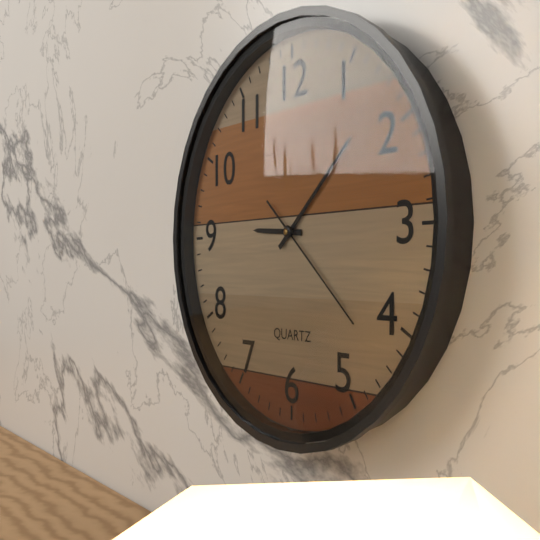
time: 9:08:22
